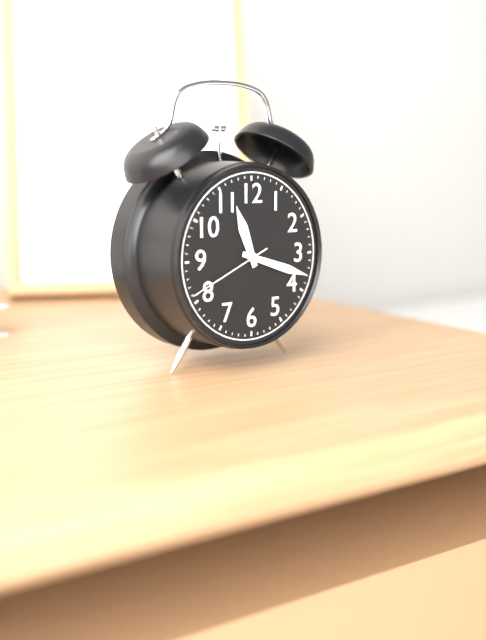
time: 11:18:41
